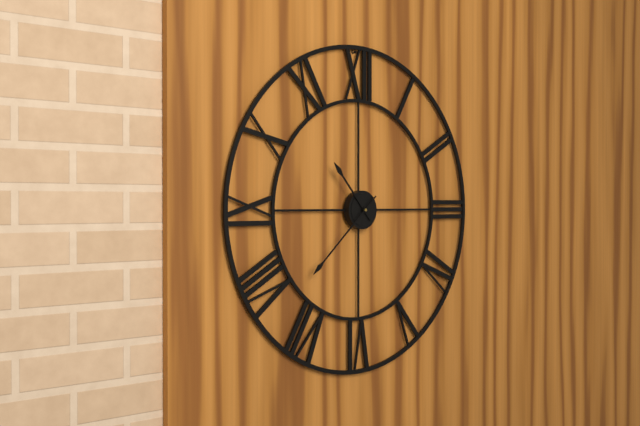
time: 10:38
